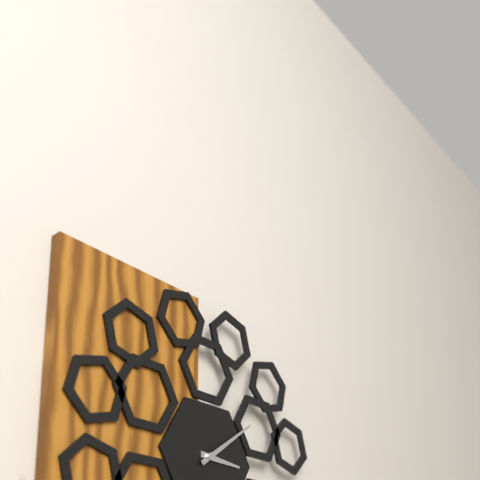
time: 3:09
